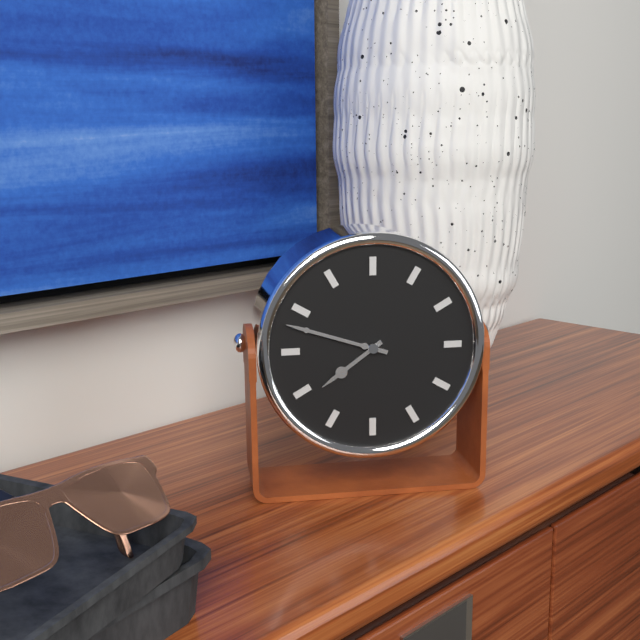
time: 7:48
